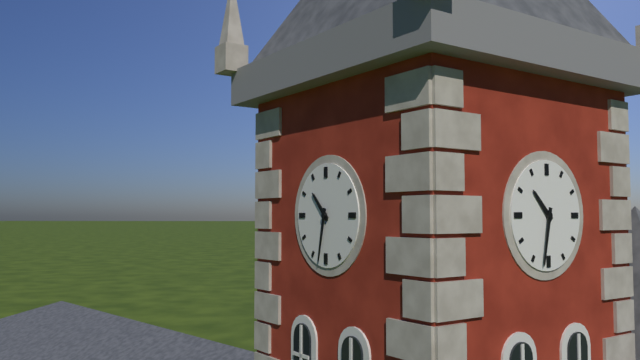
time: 10:32
